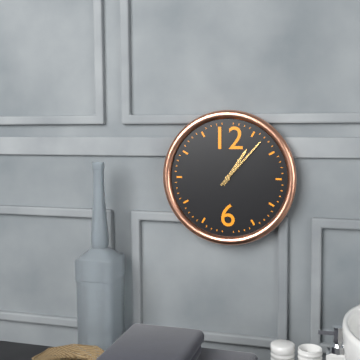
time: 1:07
